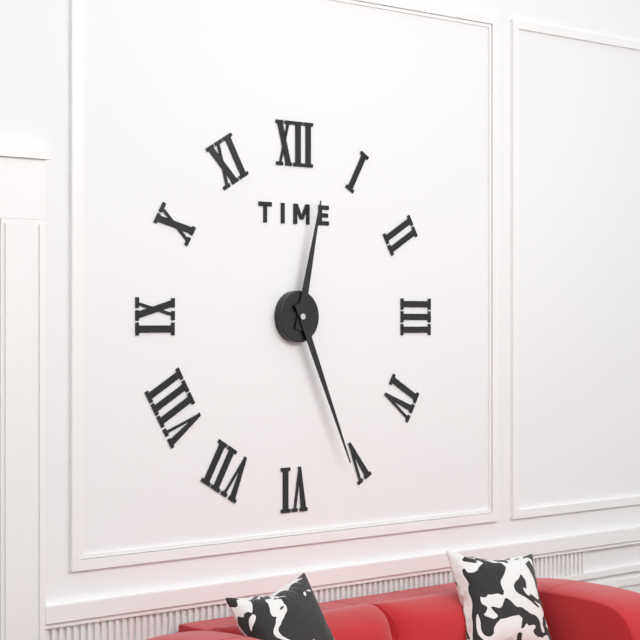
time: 12:26
